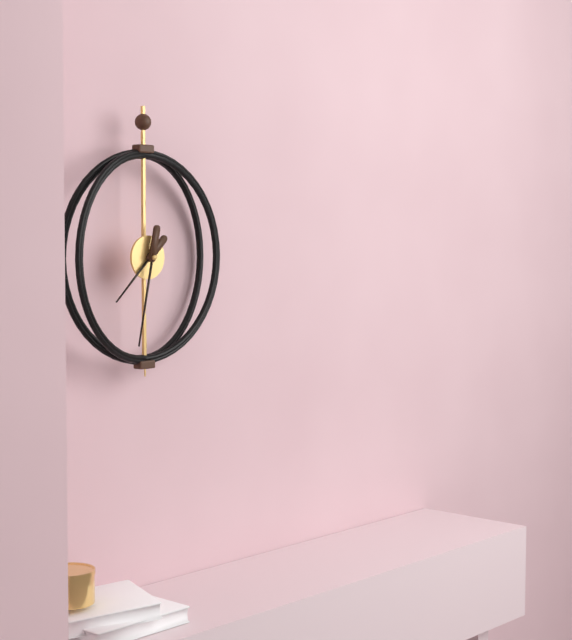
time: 7:32
